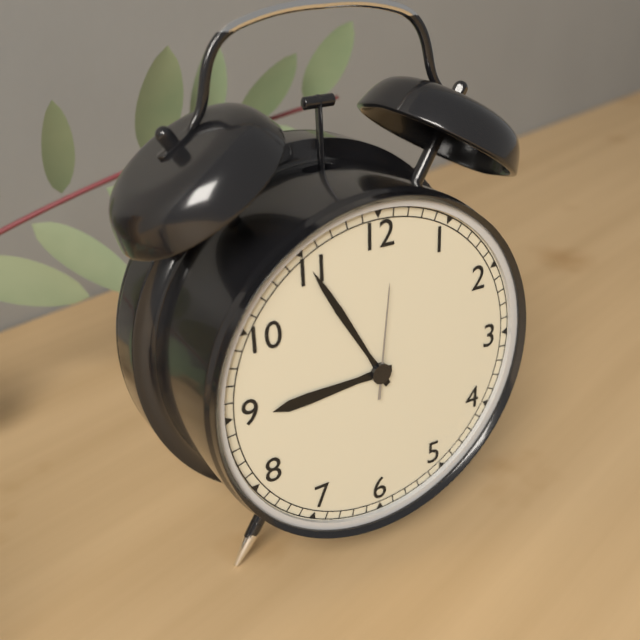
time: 8:55:01
